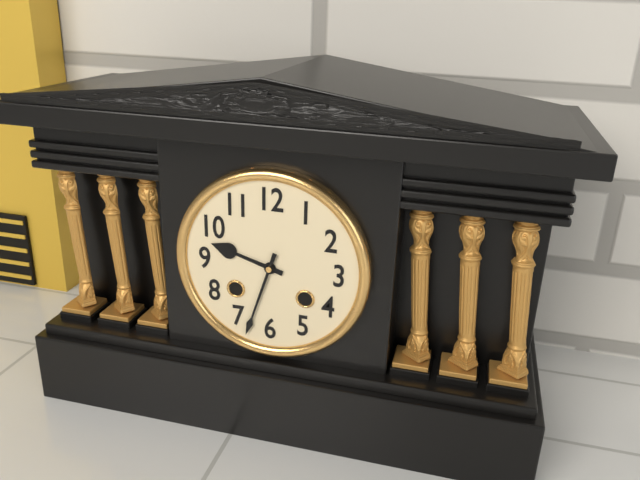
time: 9:33
